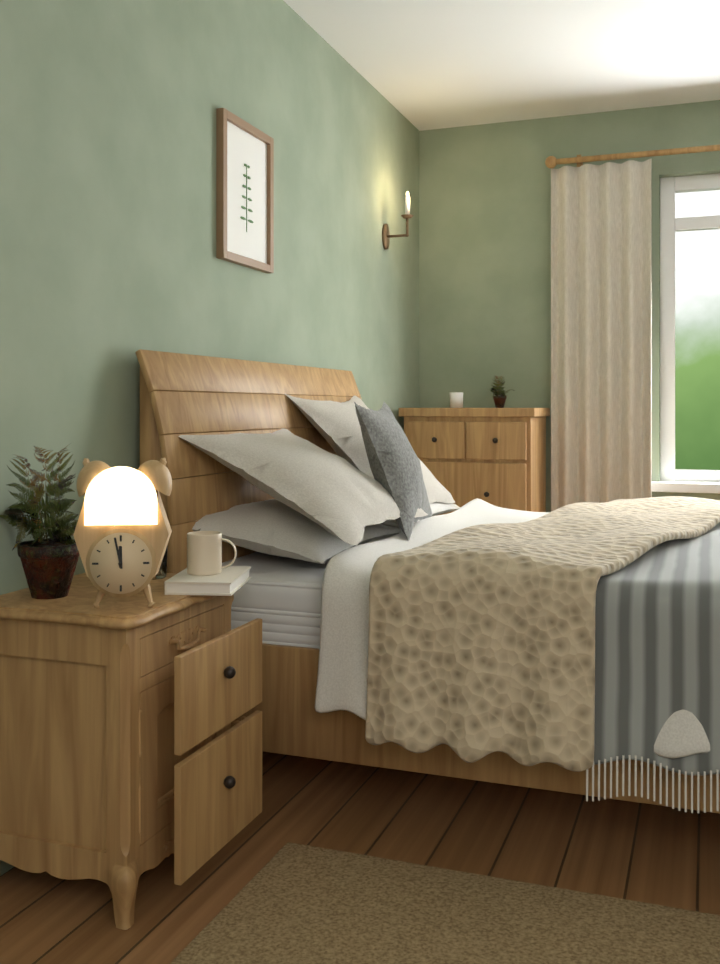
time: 11:58
